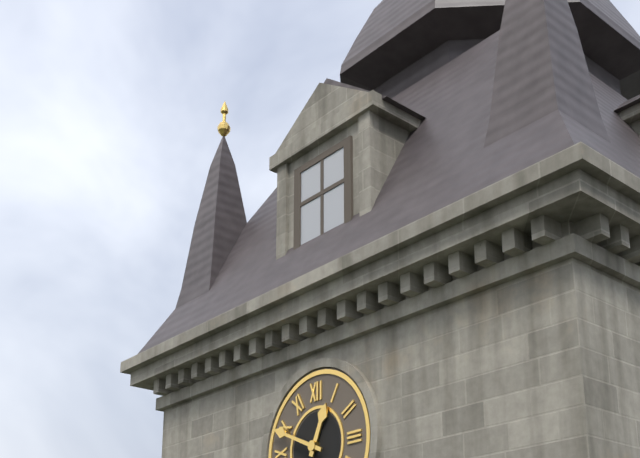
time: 12:49
